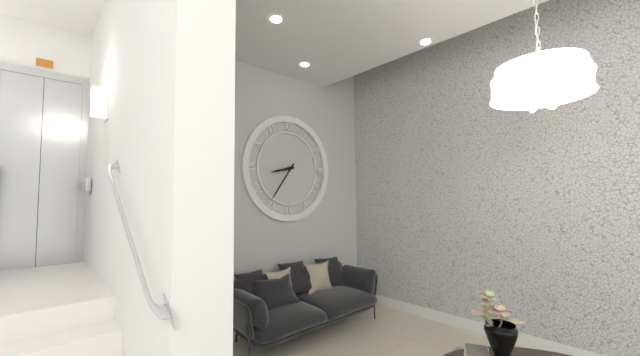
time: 8:36
